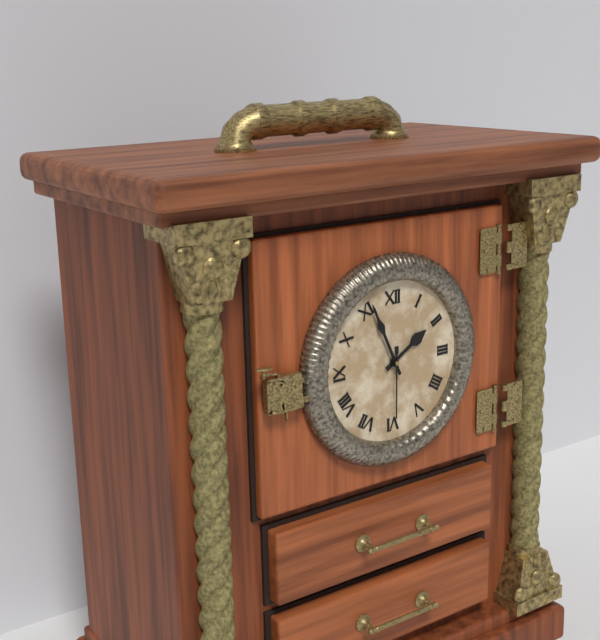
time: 1:56:30
